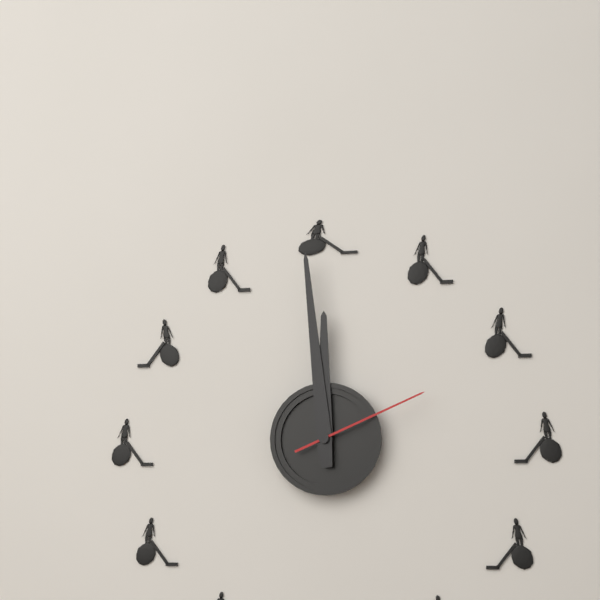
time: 11:59:11
